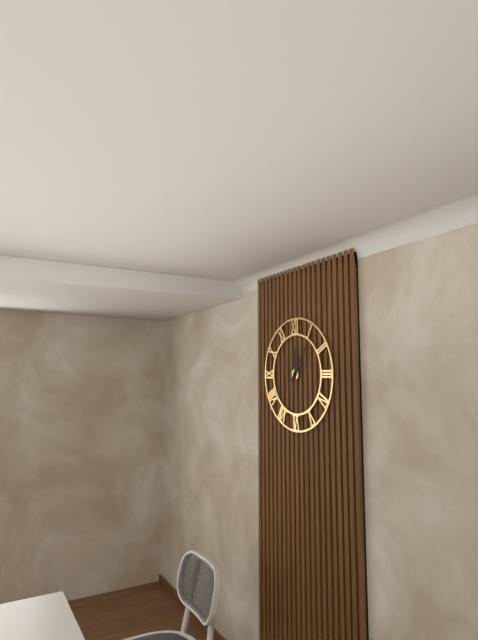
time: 12:06
